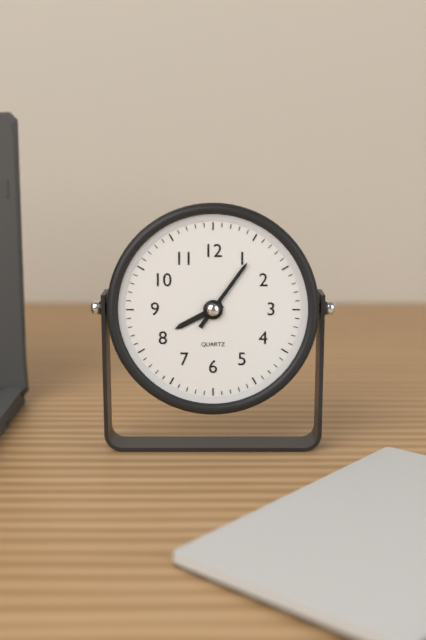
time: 8:06
